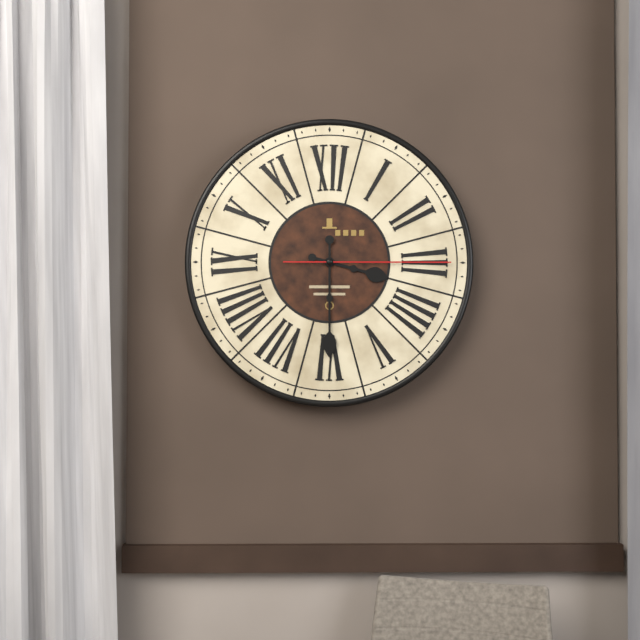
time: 3:30:15
